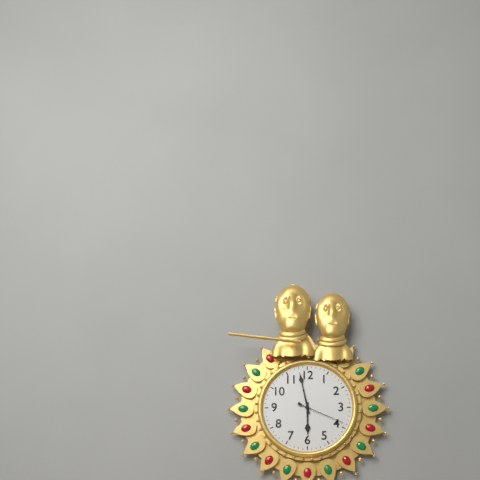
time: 5:58:19
